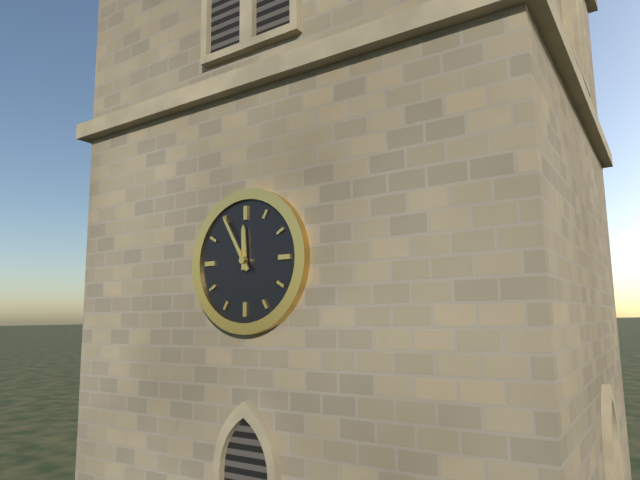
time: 11:55
